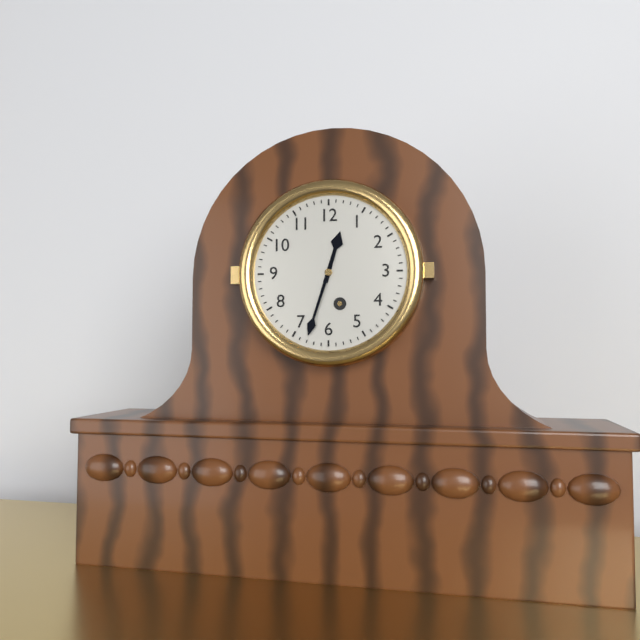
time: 12:33
